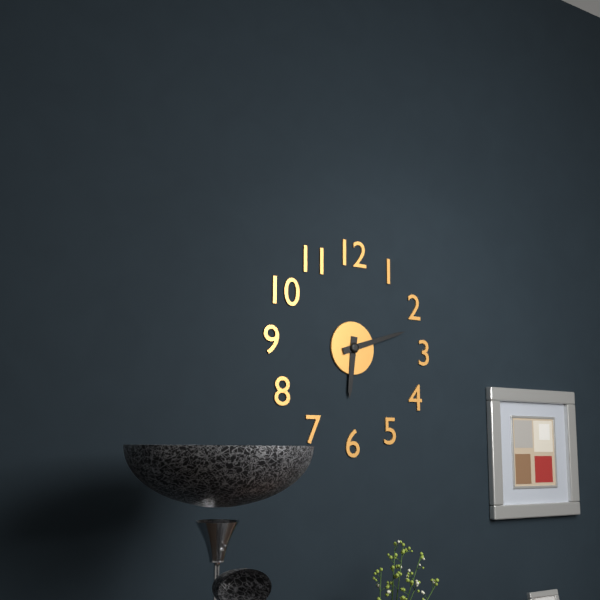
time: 6:12
